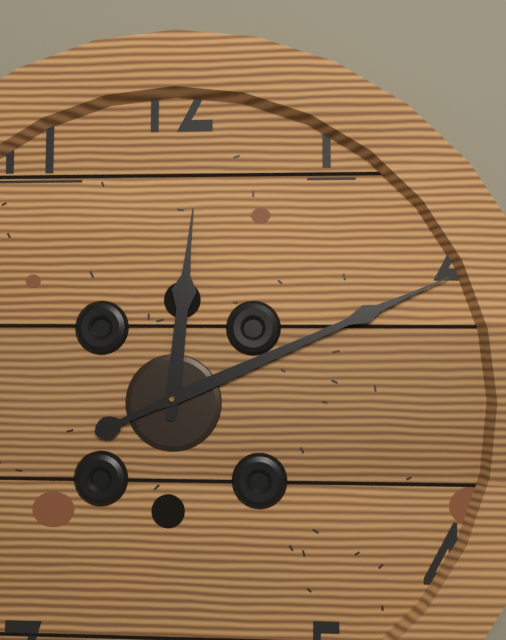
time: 12:11
